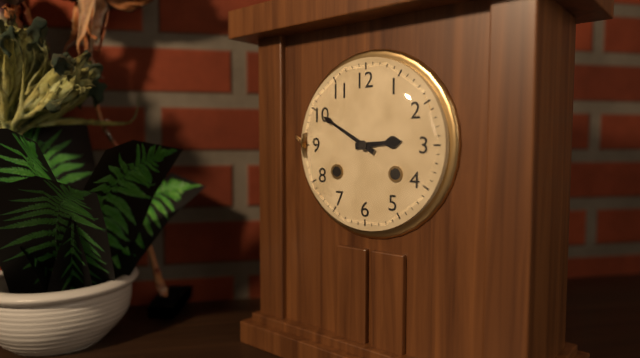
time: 2:50
